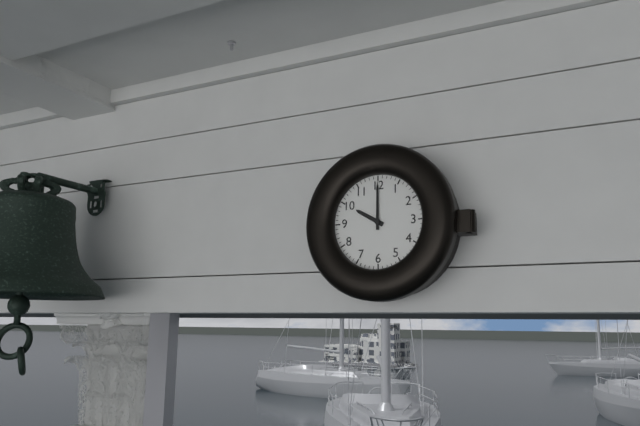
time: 10:00
